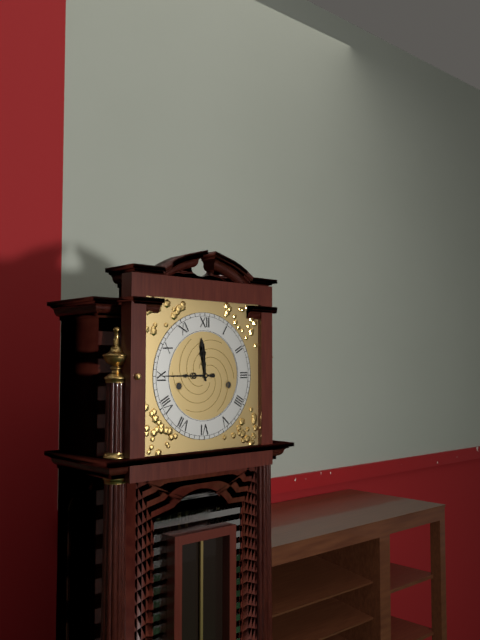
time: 11:45
